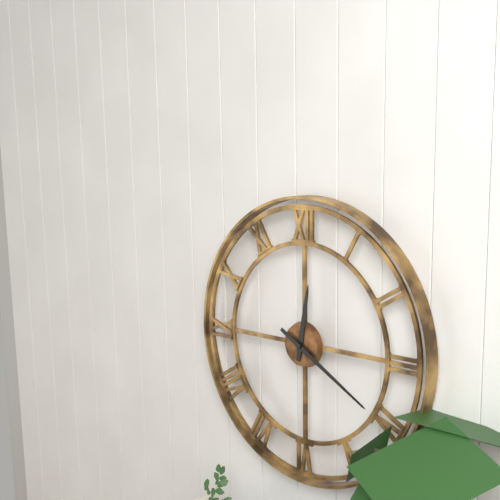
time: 12:20
